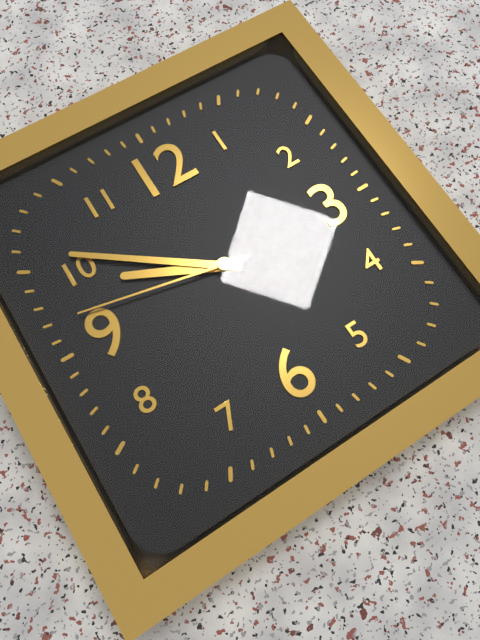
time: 9:51:47
